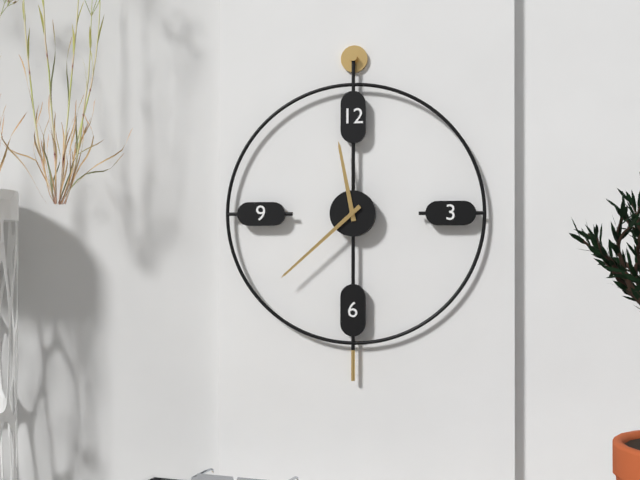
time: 11:38
